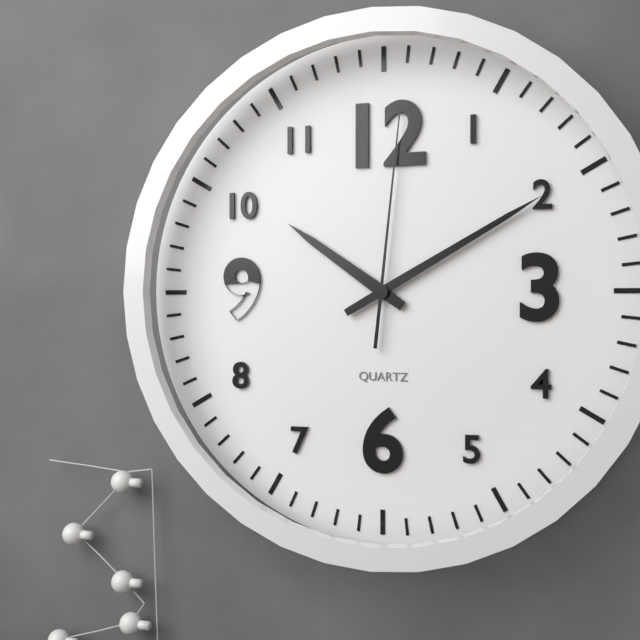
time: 10:10:01
